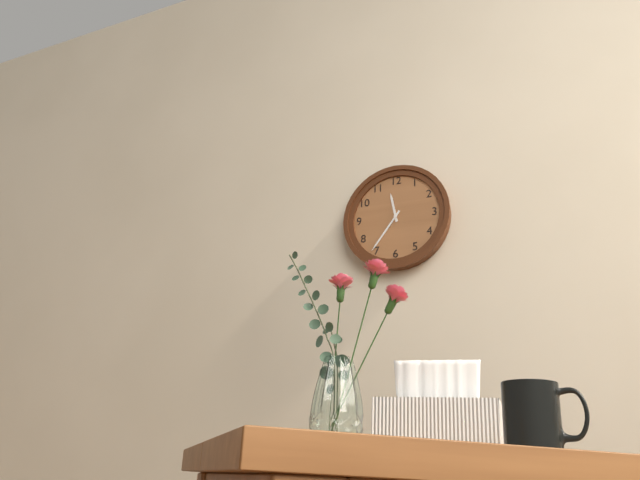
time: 11:36
